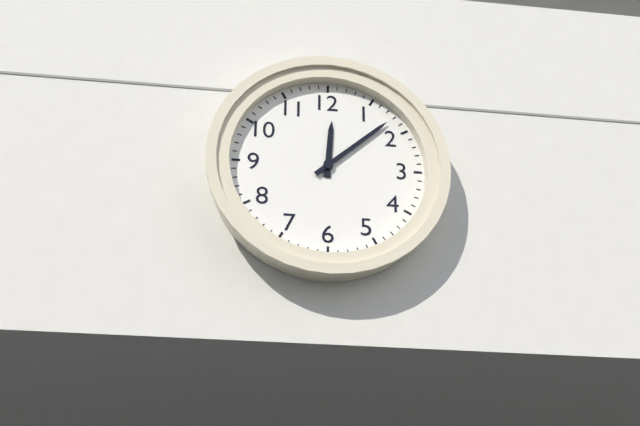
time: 12:08
